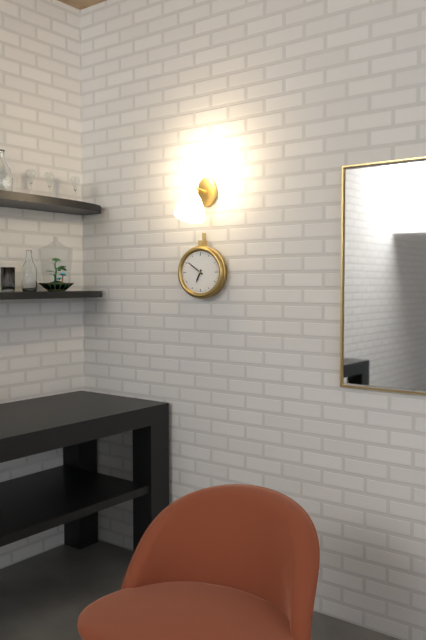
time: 6:51
